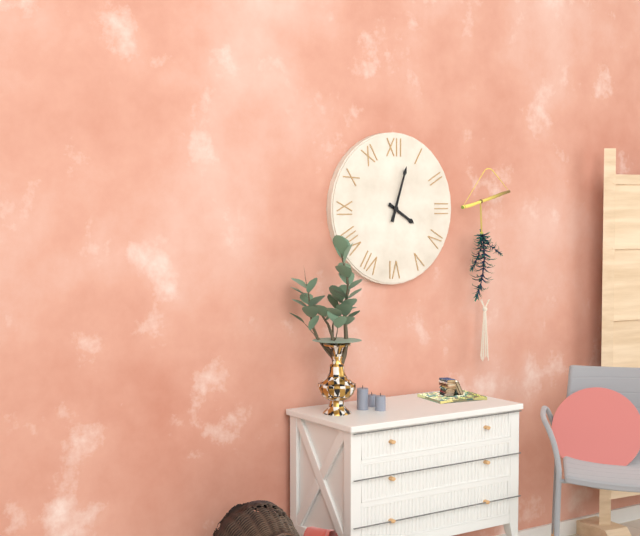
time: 4:03
